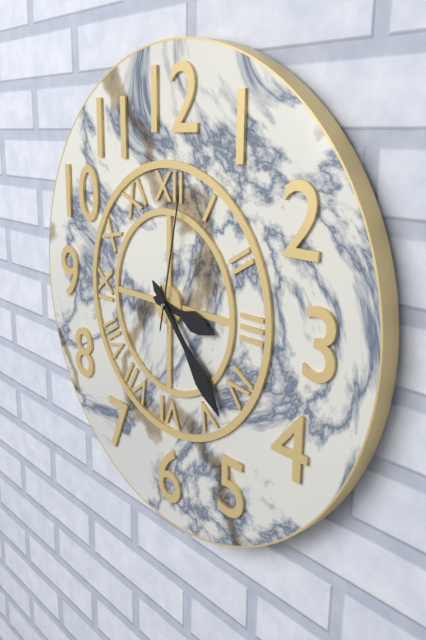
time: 3:23:02
